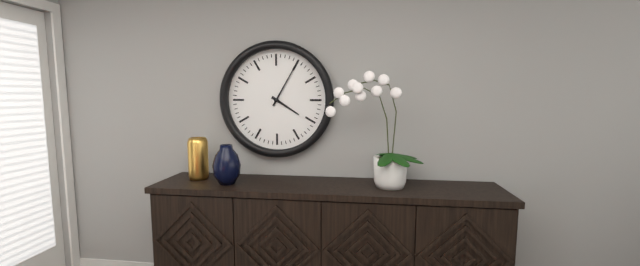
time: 4:05
